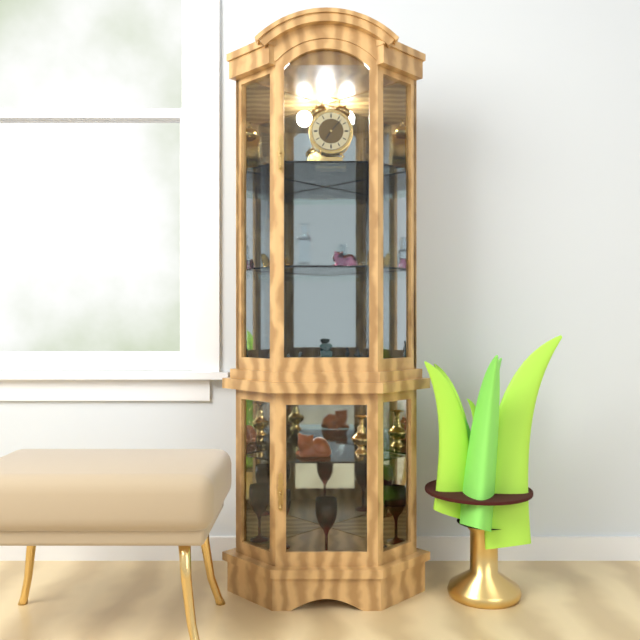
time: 7:07
